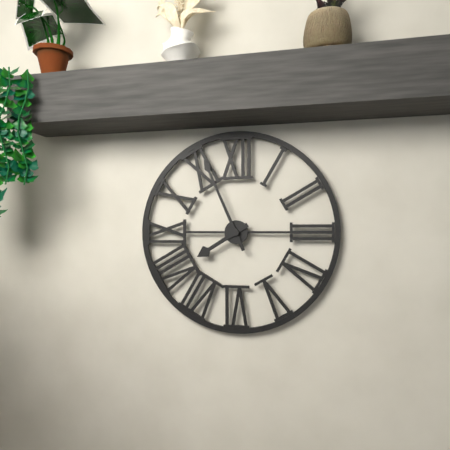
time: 7:56
